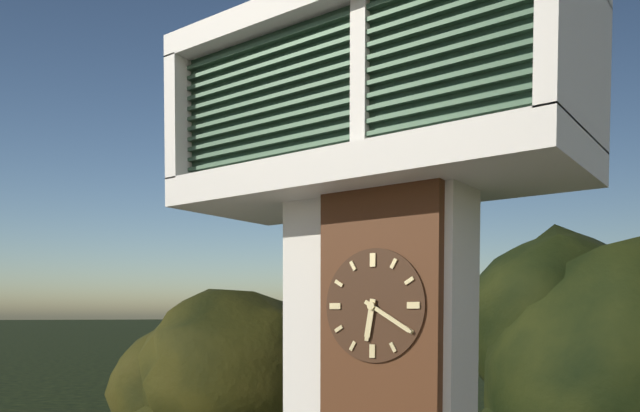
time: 6:20
